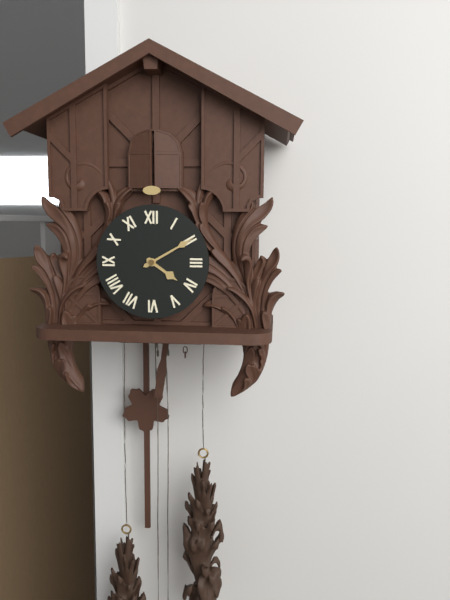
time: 4:10
